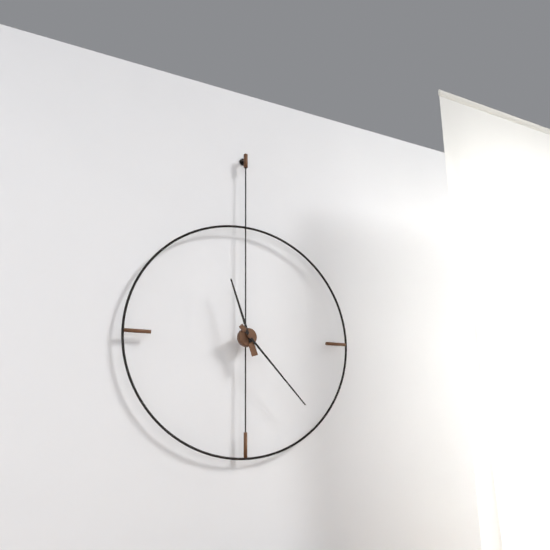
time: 11:23
